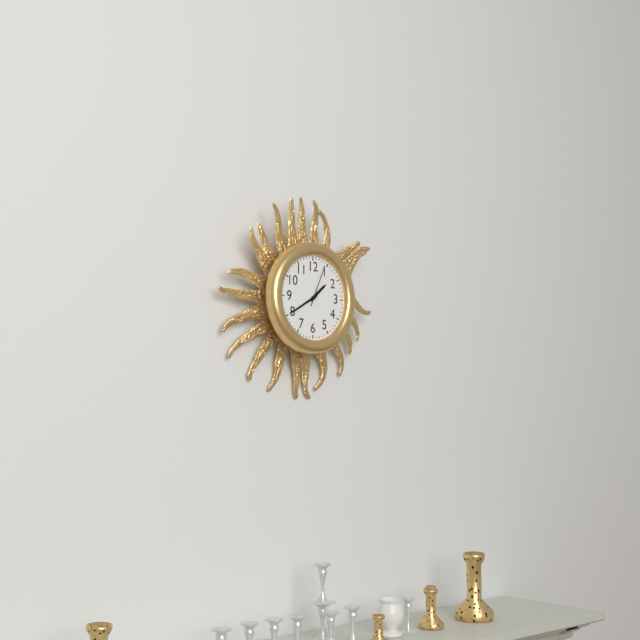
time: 1:40
